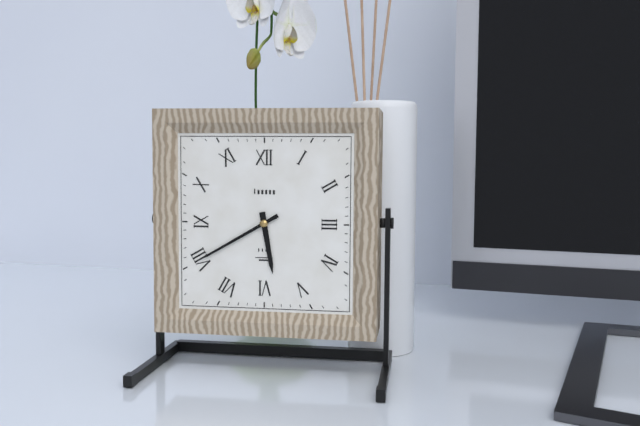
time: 5:40
